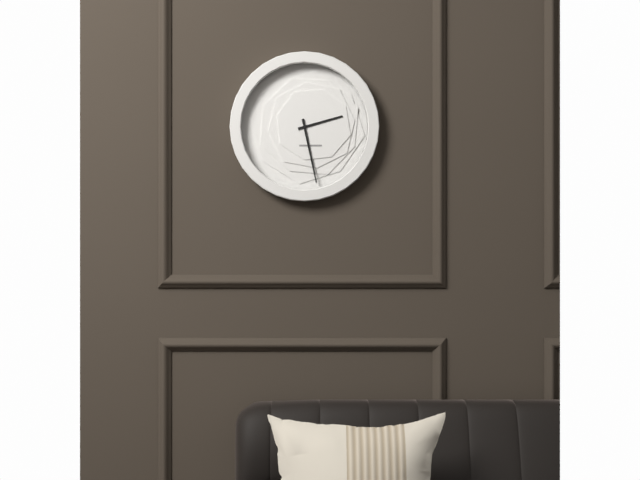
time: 2:28
